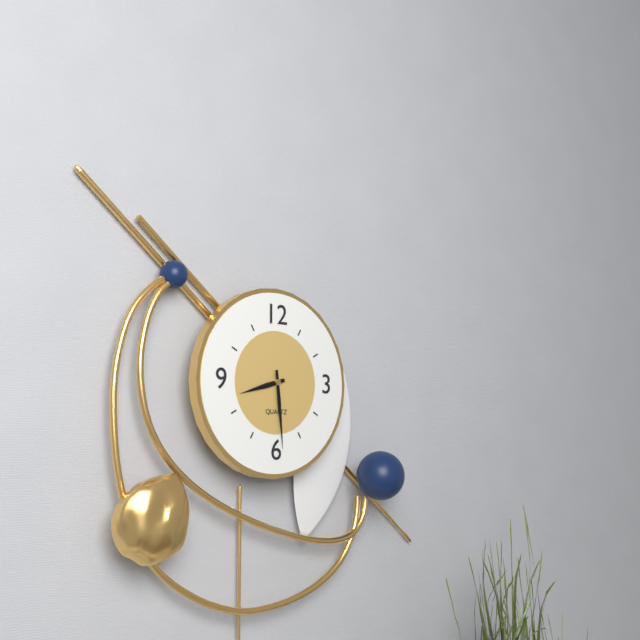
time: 8:29
